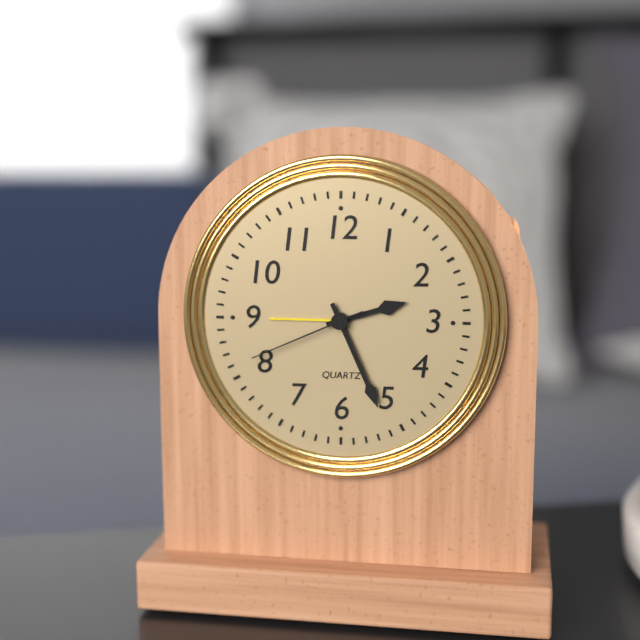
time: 2:26:41
